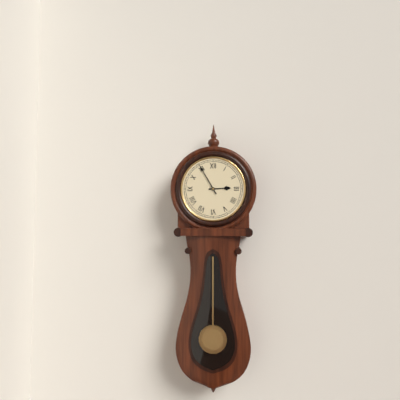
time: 2:55
